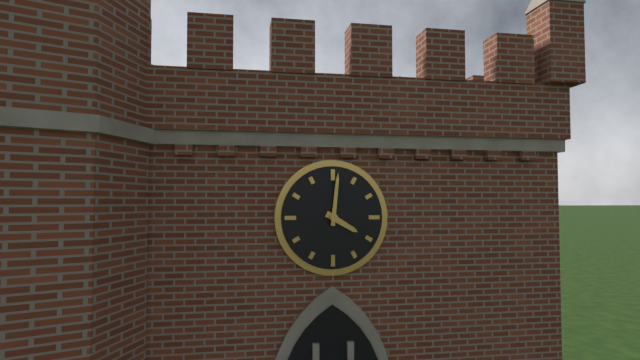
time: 4:01
